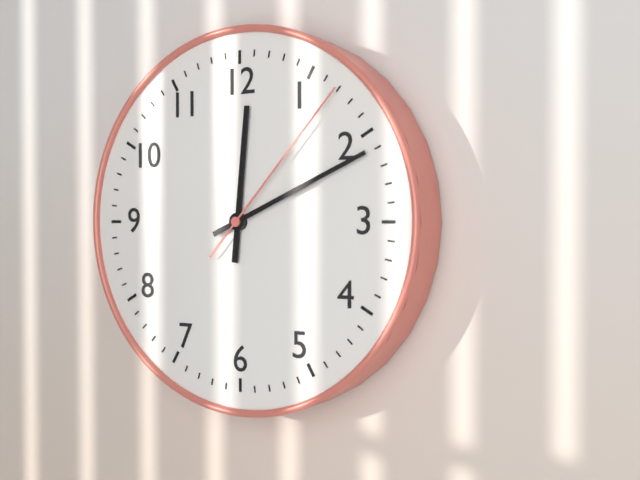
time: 12:11:07
